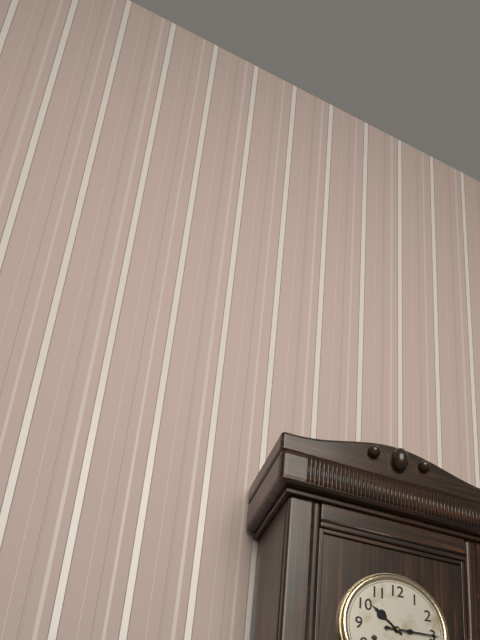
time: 10:15
